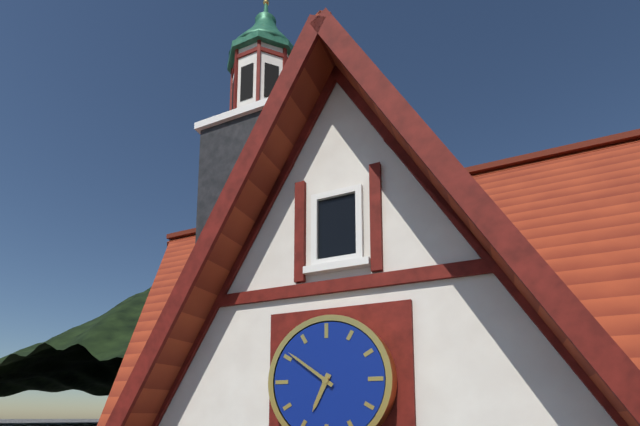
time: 6:51
